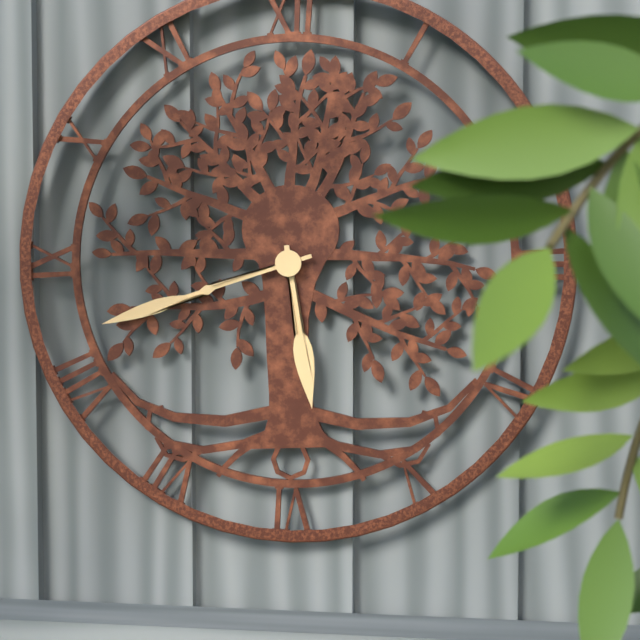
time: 5:42
